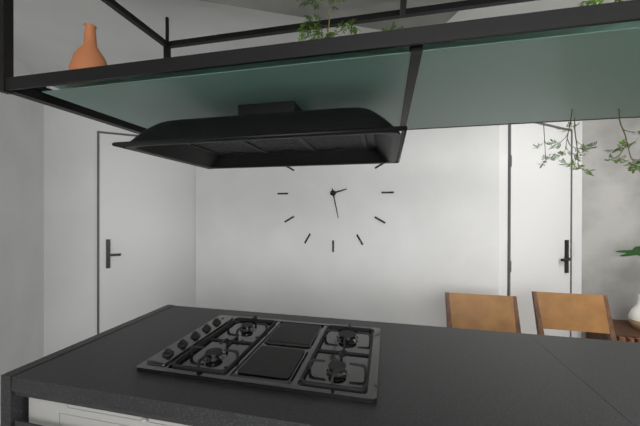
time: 2:28
